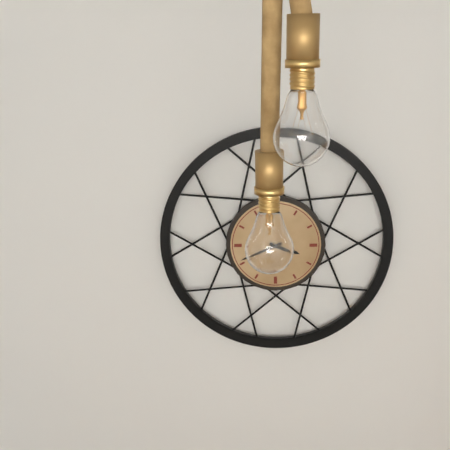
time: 3:41
